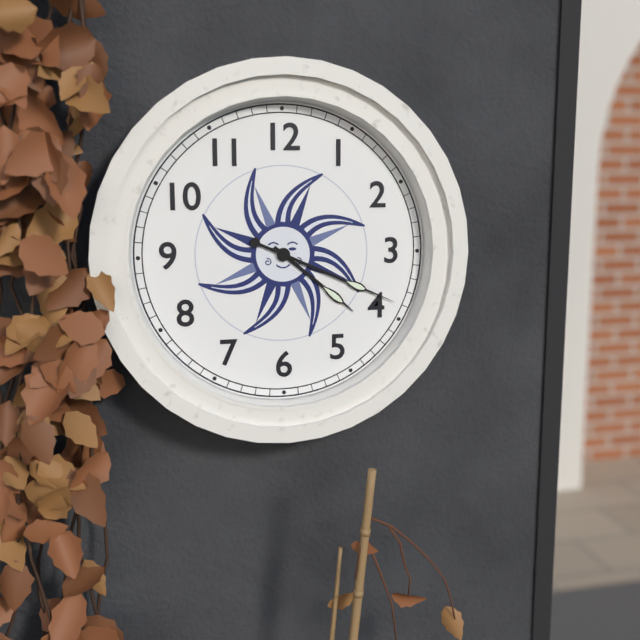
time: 4:19
